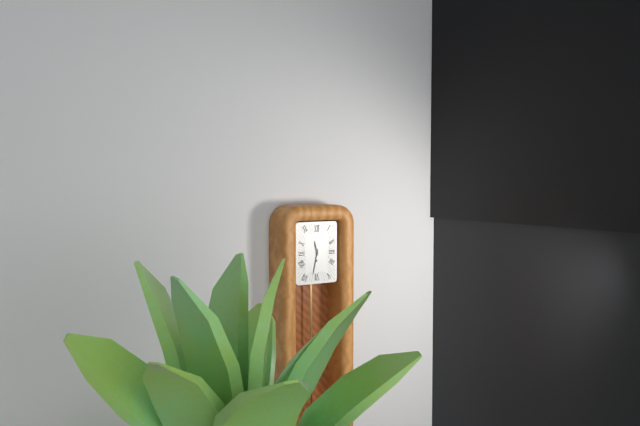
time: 11:32
